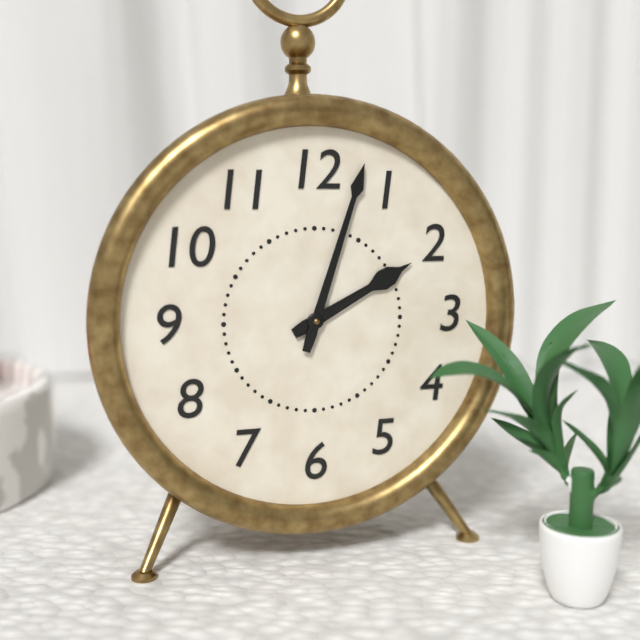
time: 2:03
